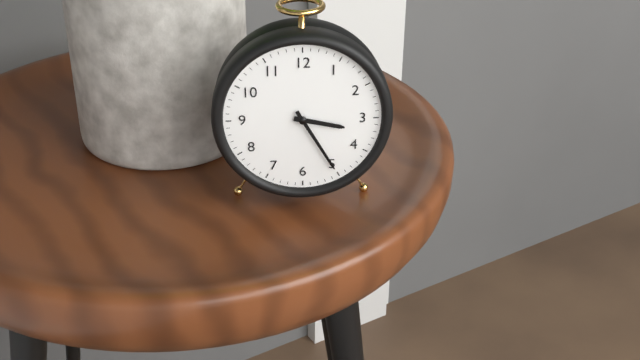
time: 3:25
